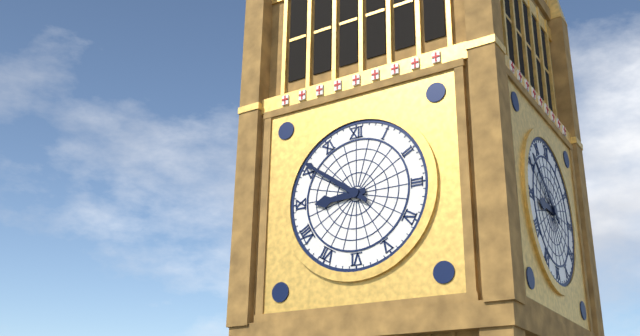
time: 8:51
